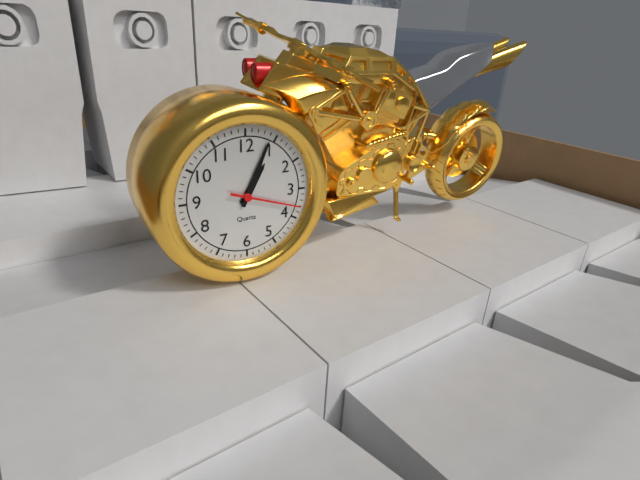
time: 1:04:18
